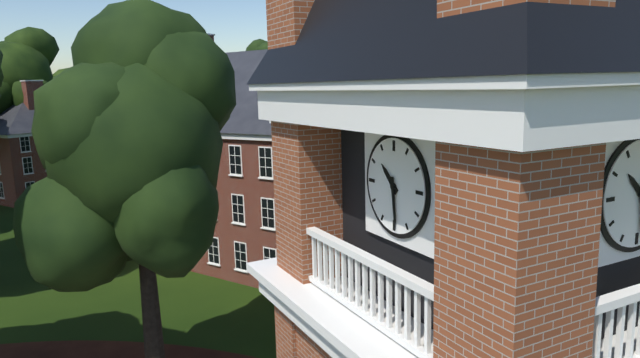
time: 10:29
